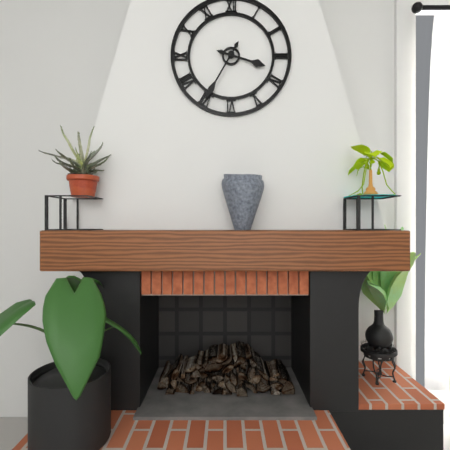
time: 3:35
